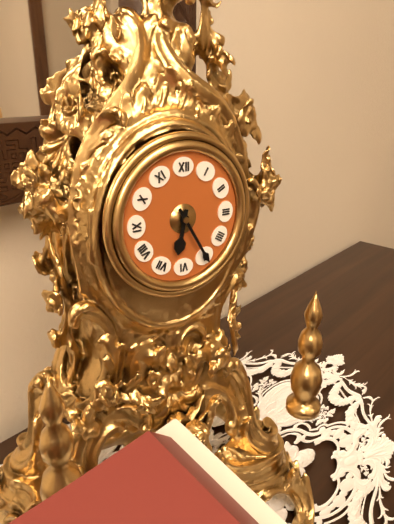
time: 6:25
